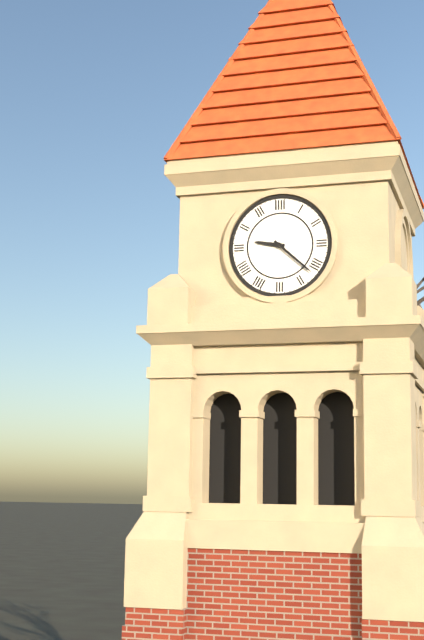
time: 9:22
